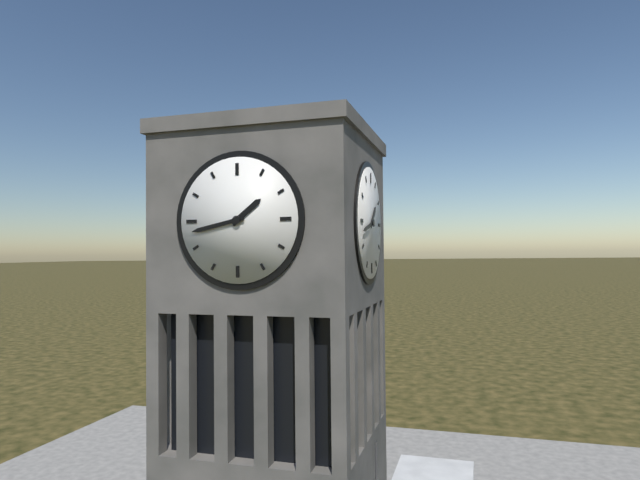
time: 1:43
